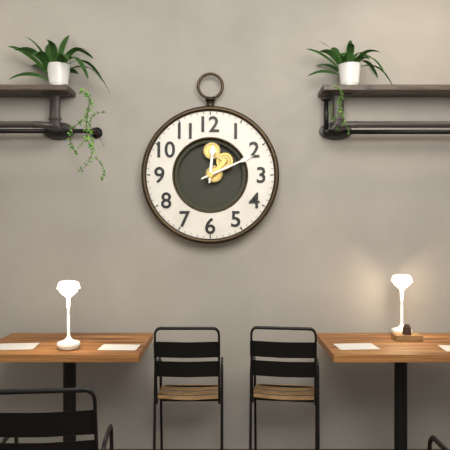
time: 12:11
